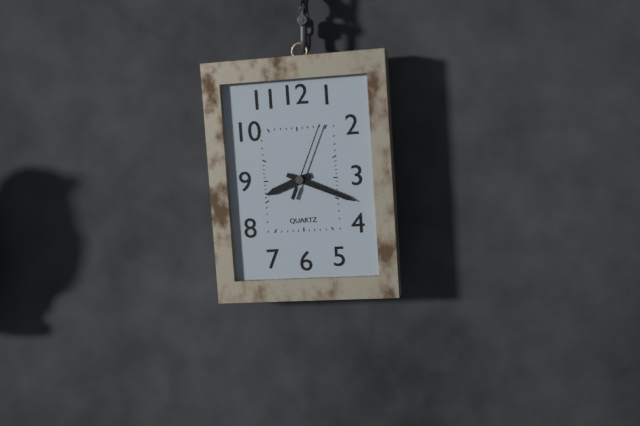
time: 8:19:04
